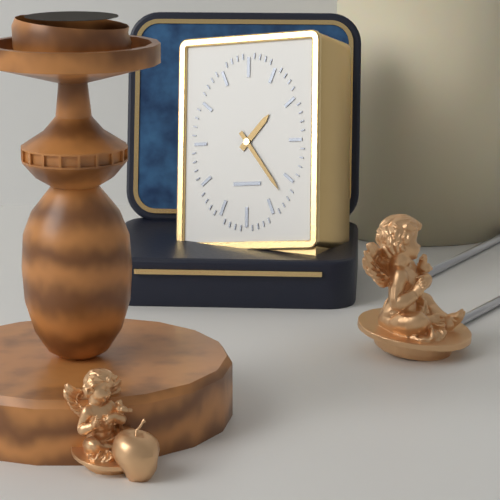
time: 1:24
